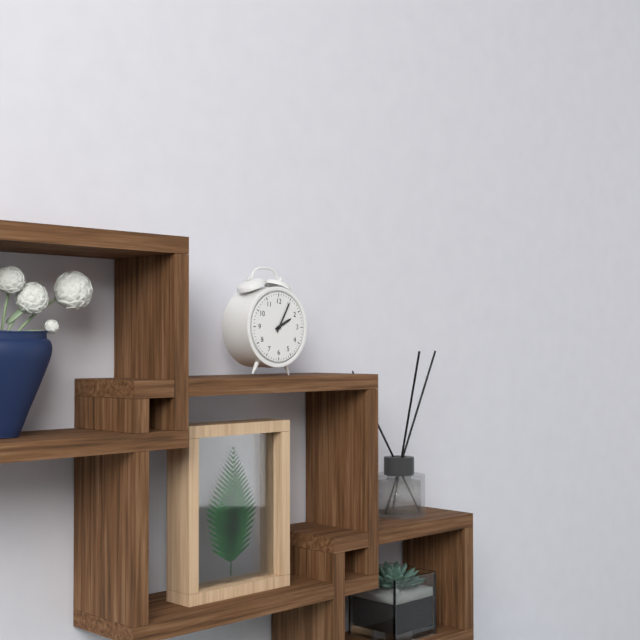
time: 2:05
